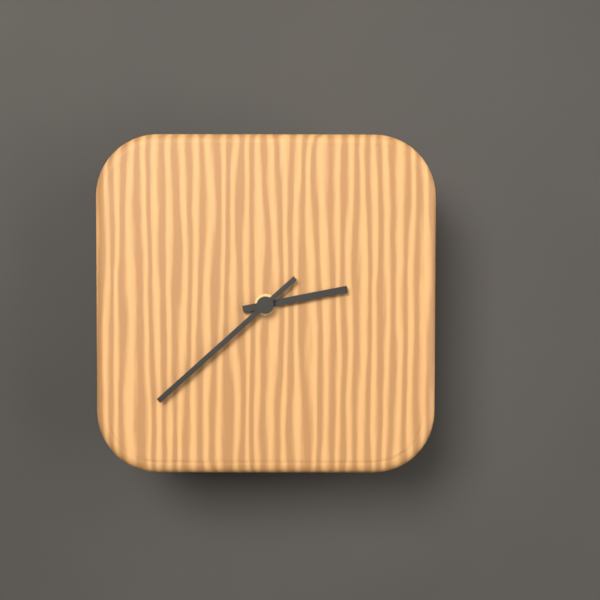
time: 2:38
